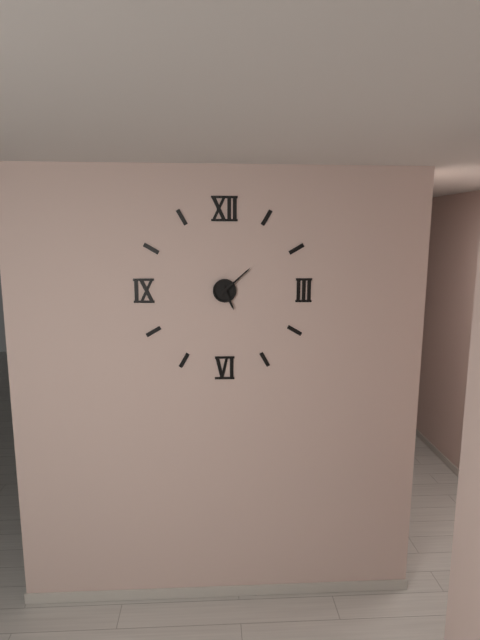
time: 5:08
